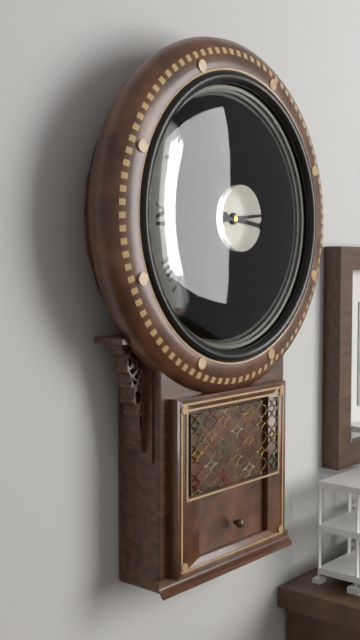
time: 3:14
